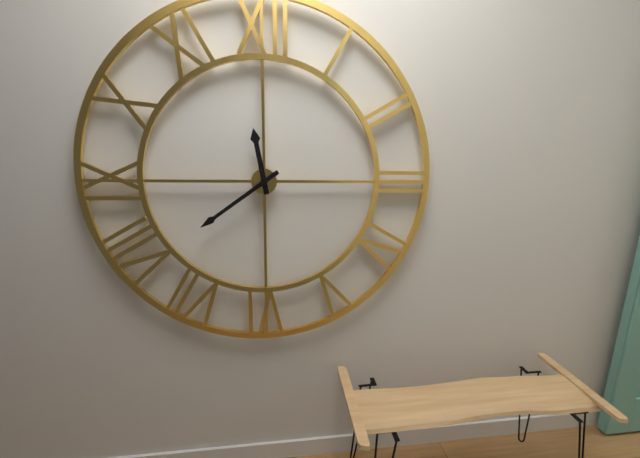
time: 11:39
